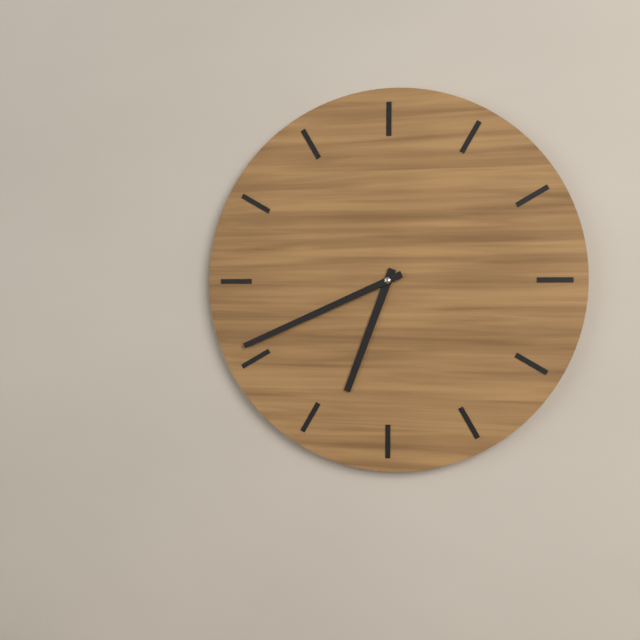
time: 6:41
